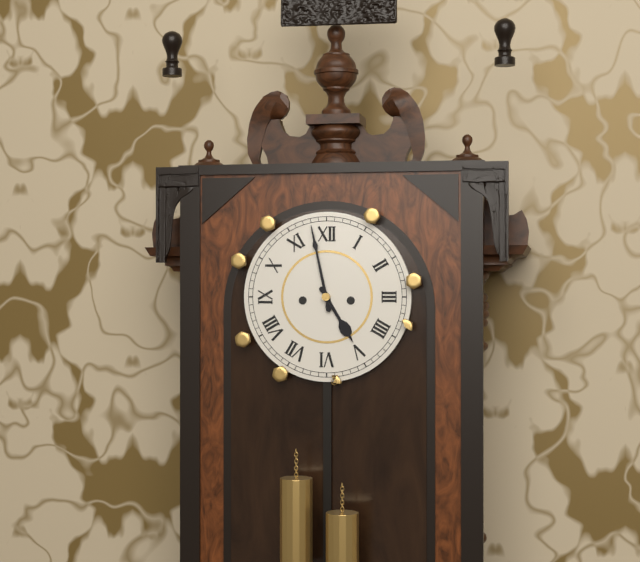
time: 4:58
